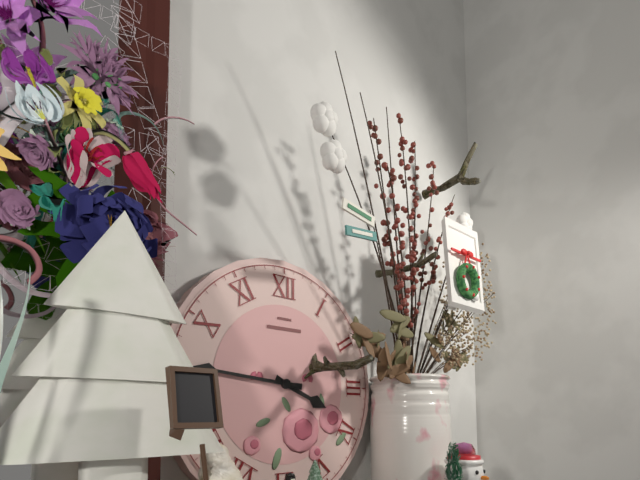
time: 3:46
